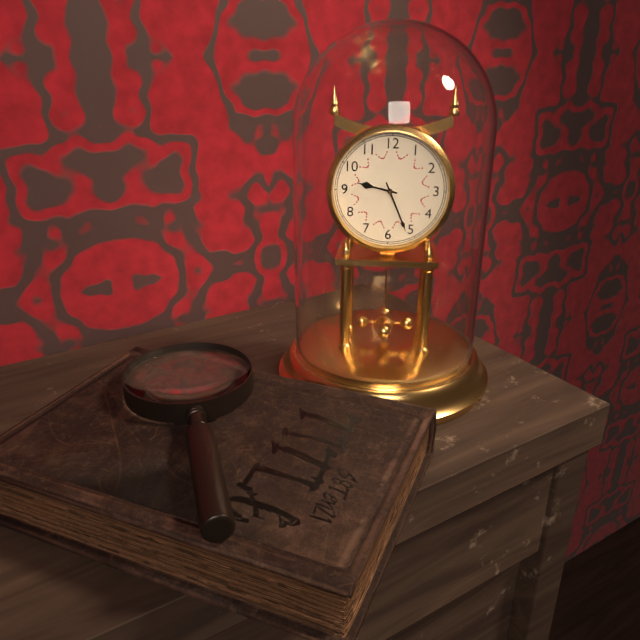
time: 9:26
